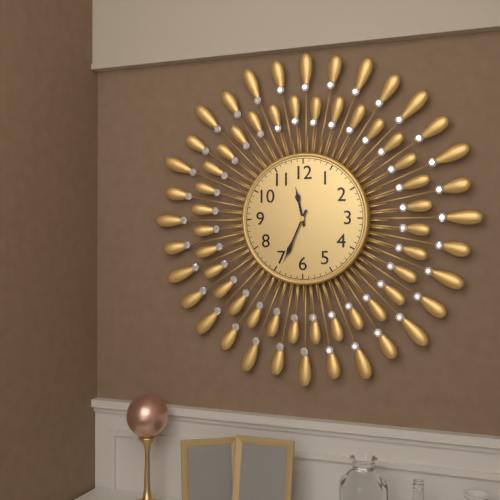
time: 11:34
